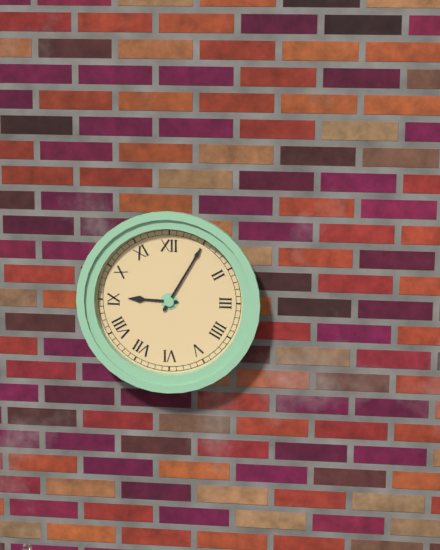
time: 9:05
